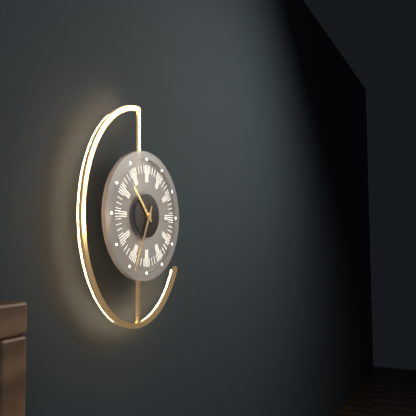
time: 10:34
